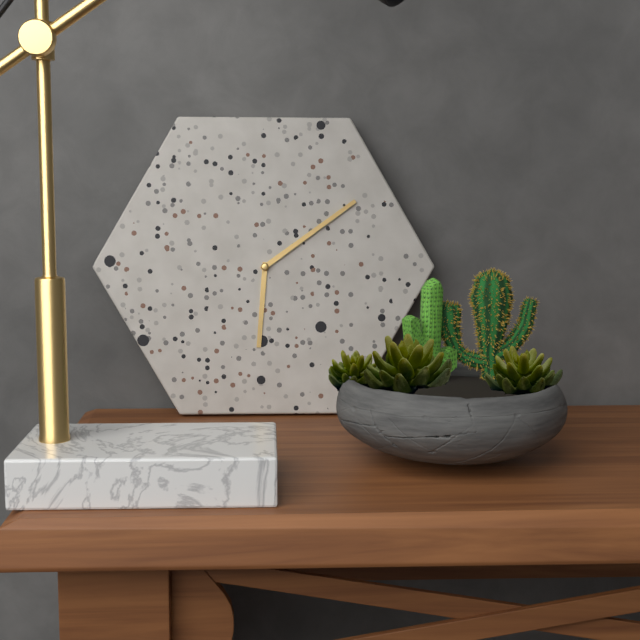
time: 6:09
